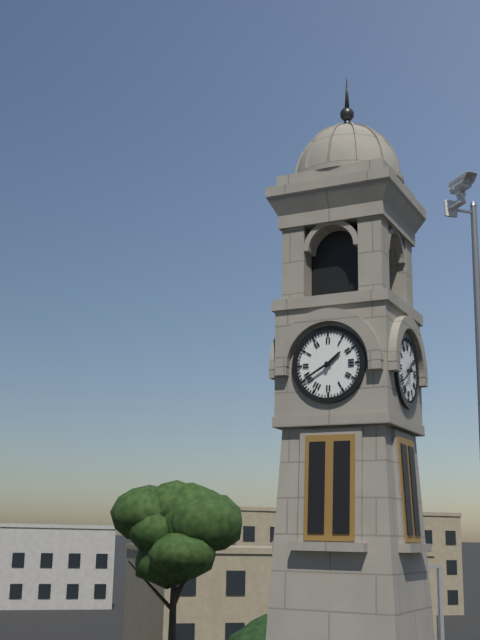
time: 1:40
